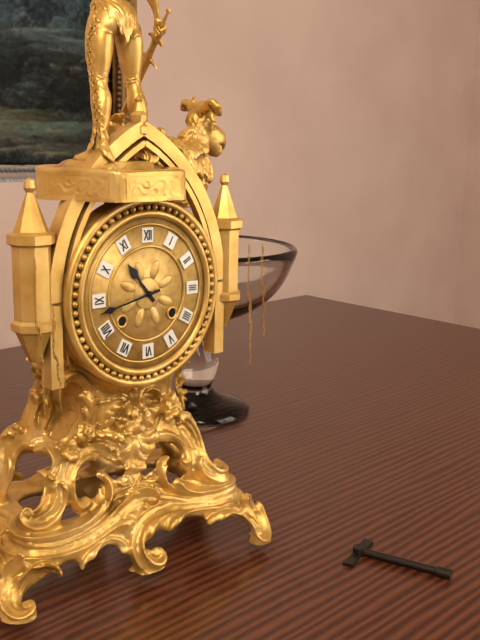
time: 10:43
